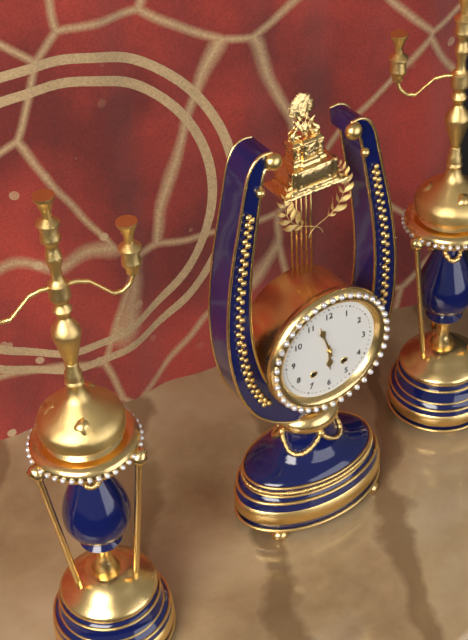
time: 5:57
